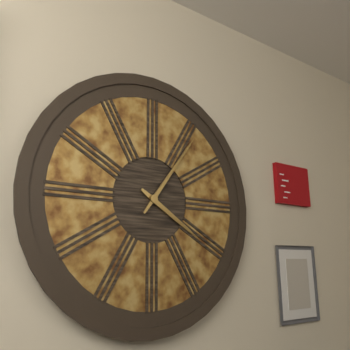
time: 4:06
